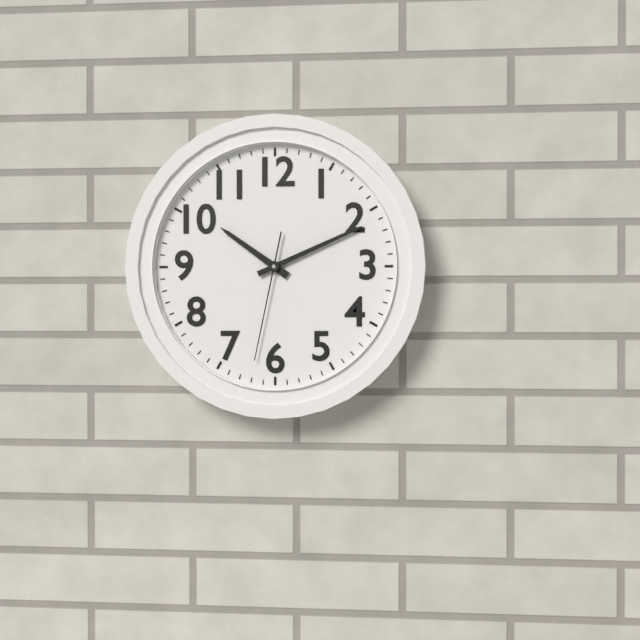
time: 10:11:32
